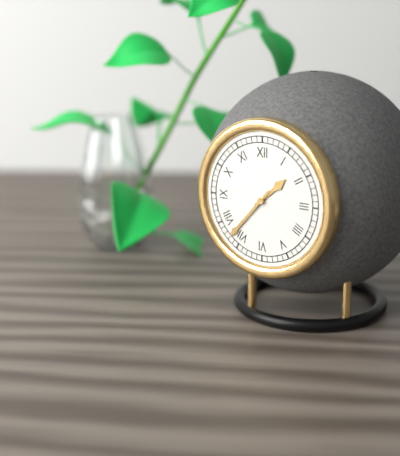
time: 1:37
